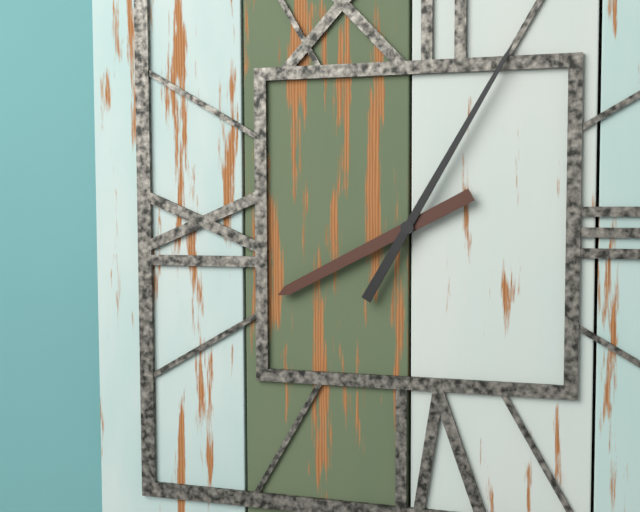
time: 8:05
